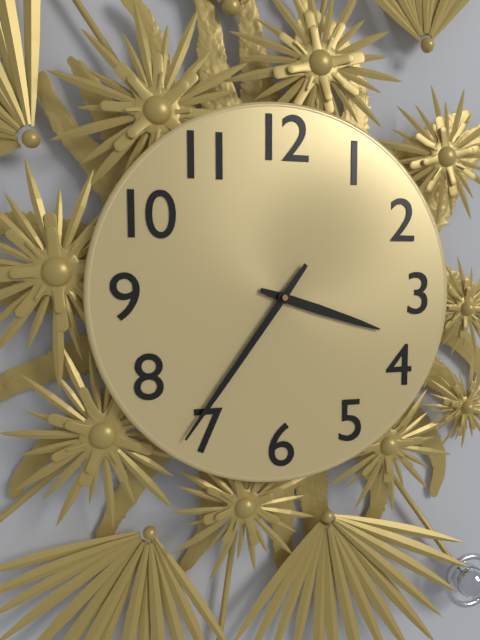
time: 3:36
